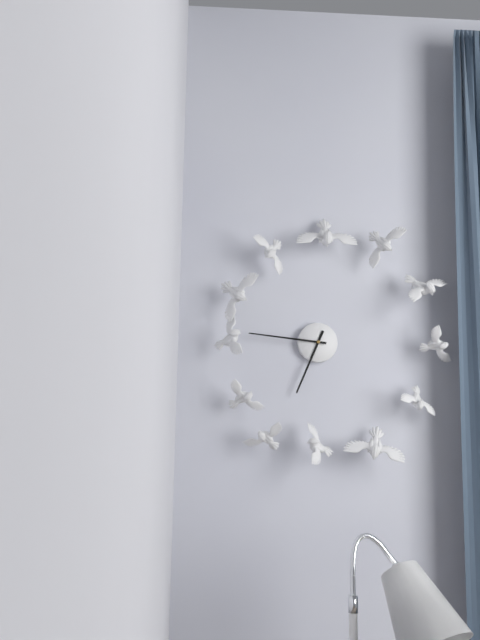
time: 6:46
